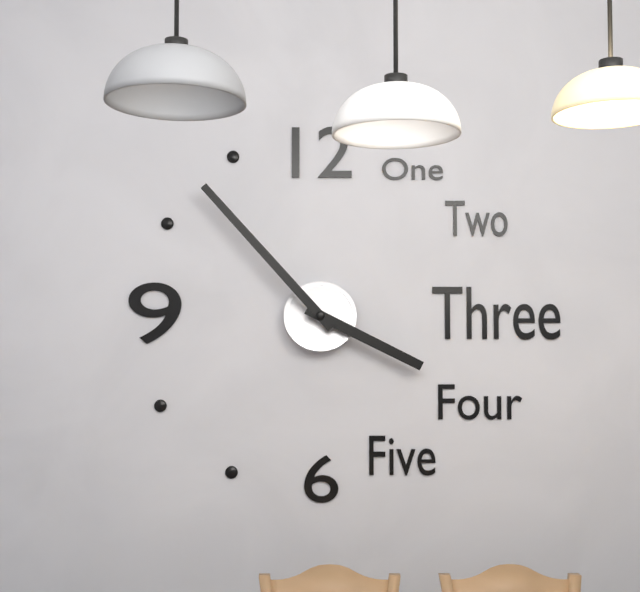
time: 3:53
